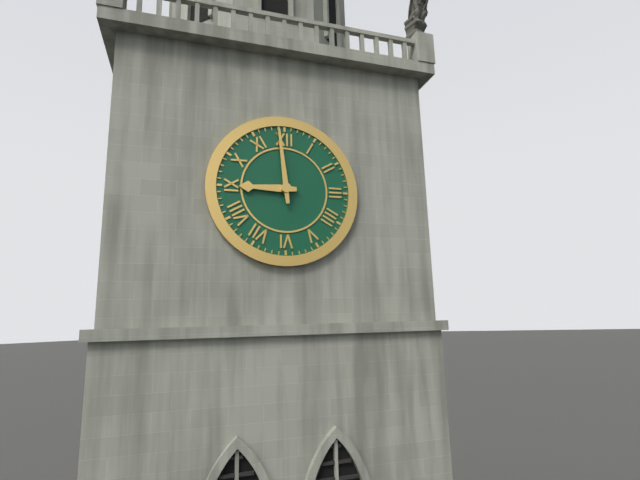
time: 8:59
